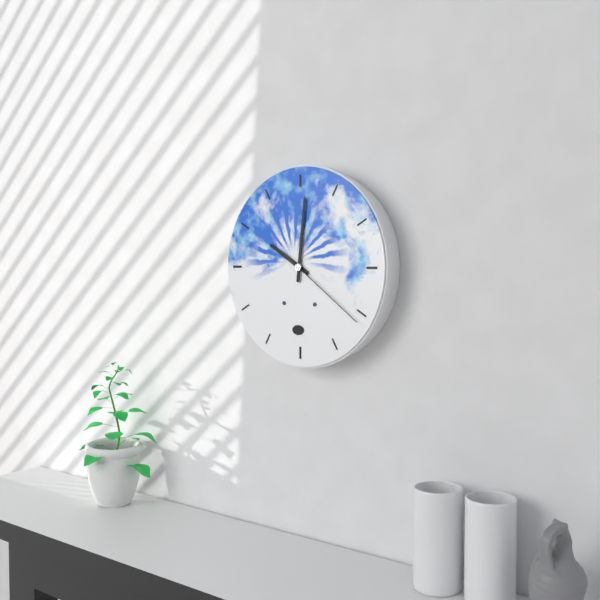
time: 10:01:21
